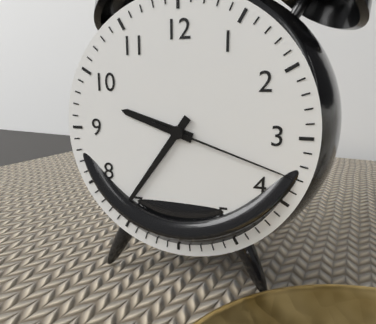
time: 9:36:18
